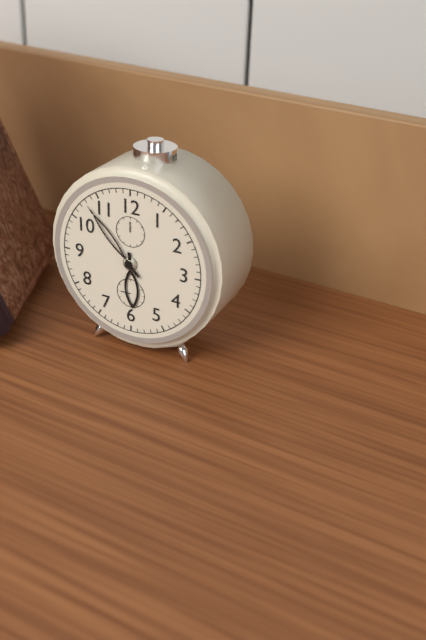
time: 5:53
